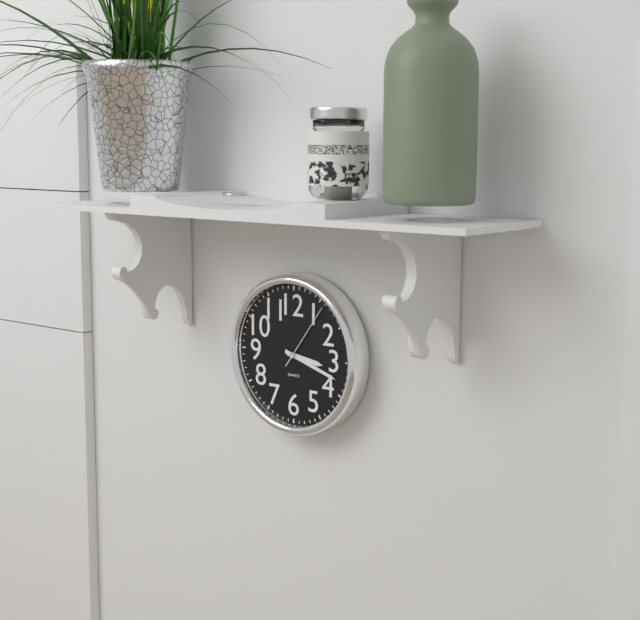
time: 3:18:06
